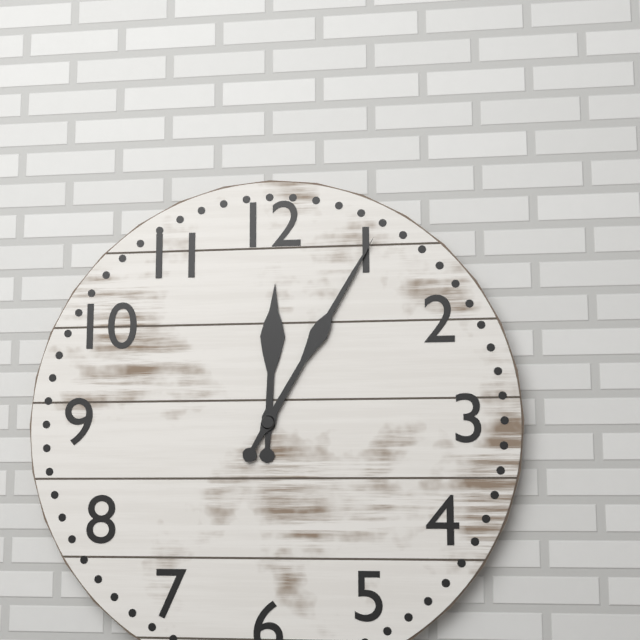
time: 12:05
